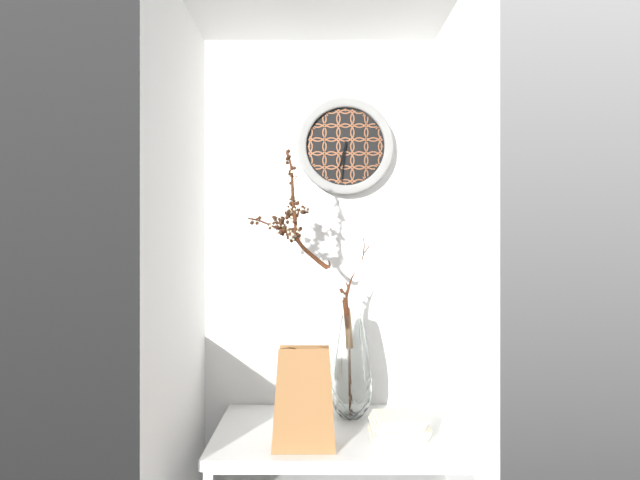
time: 6:31
